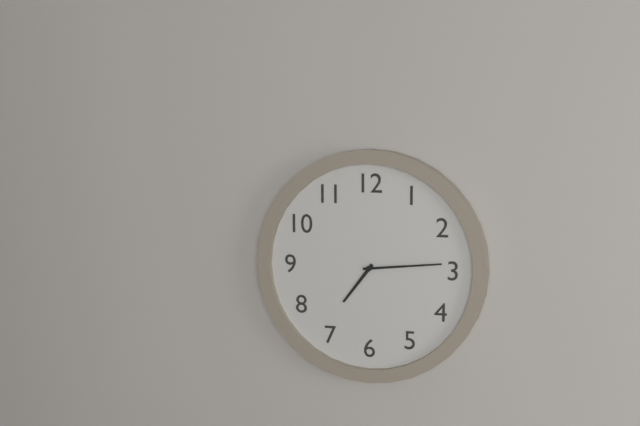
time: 7:14
